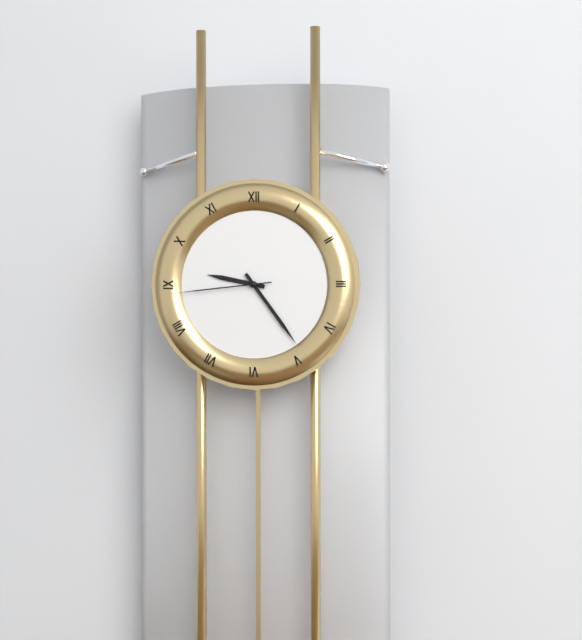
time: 9:24:44
